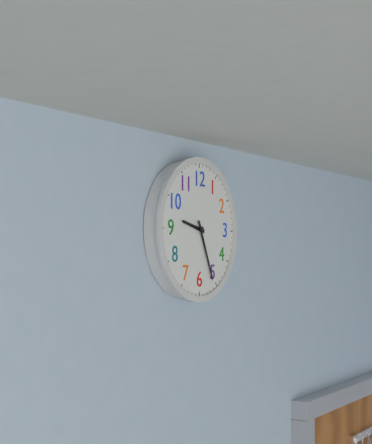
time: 9:26
